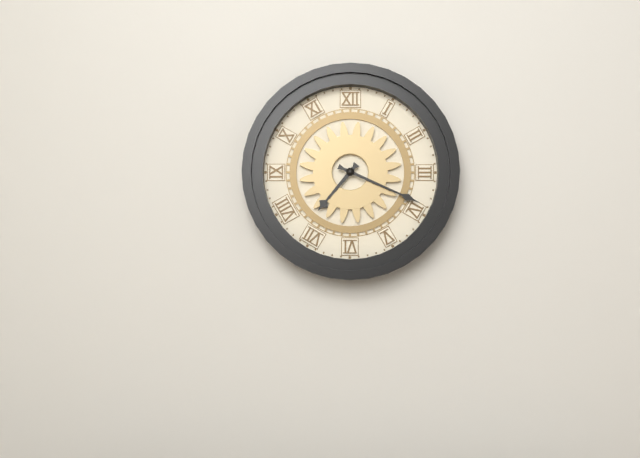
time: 7:19
